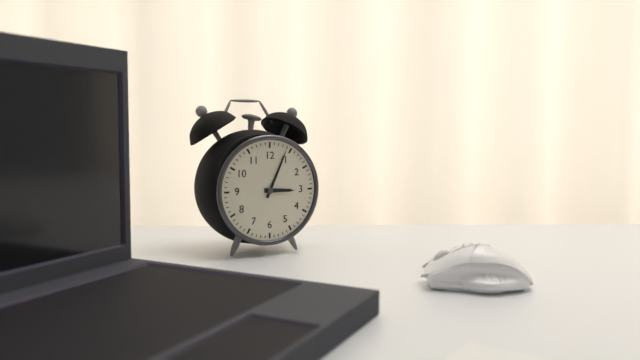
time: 3:04
